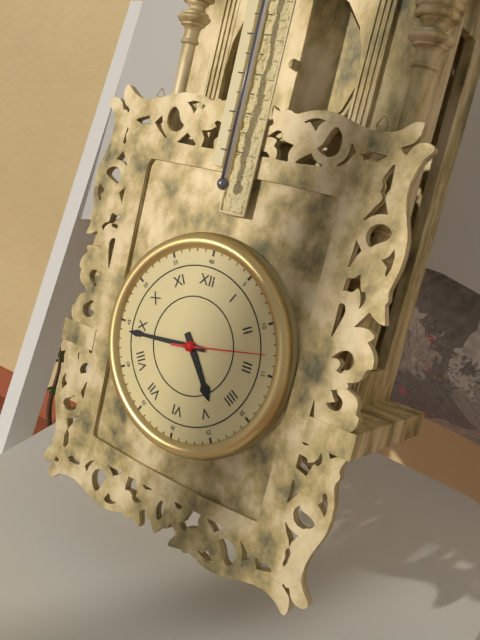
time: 4:44:13
